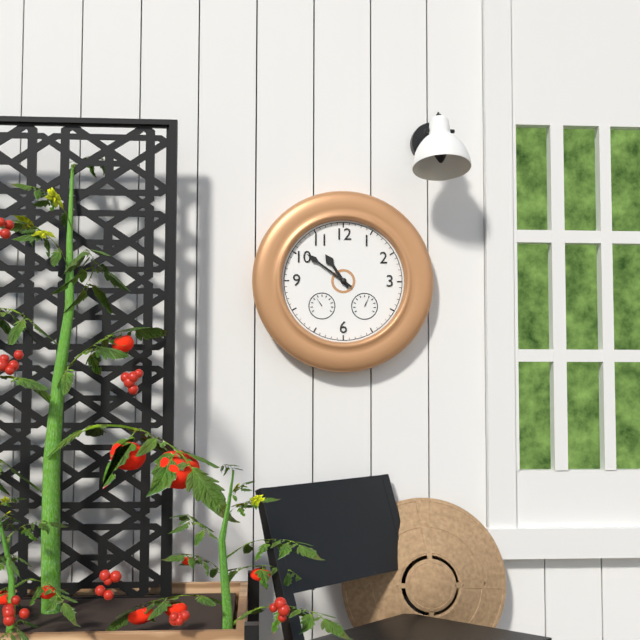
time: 10:51
